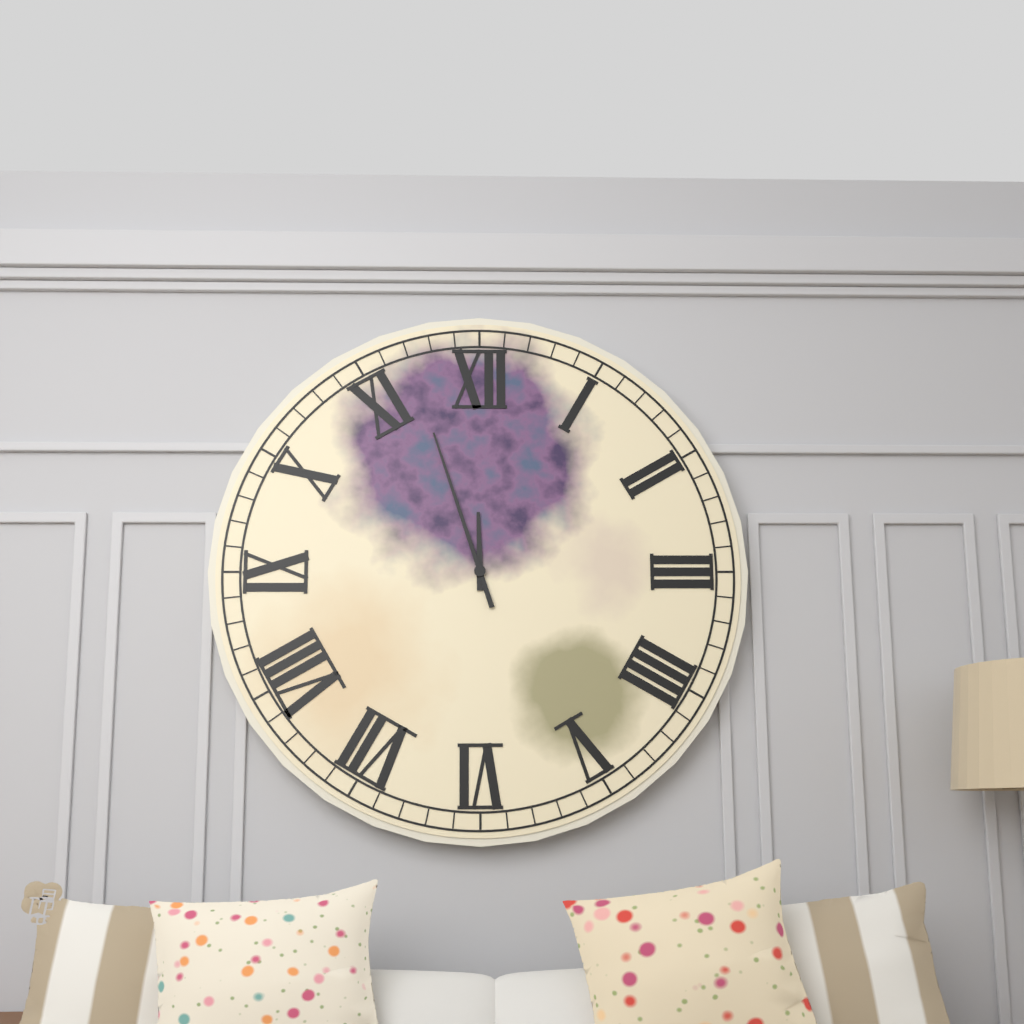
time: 11:57
